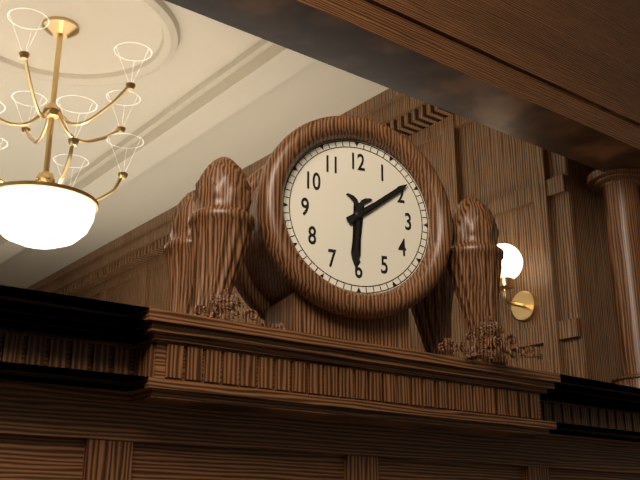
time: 6:09
